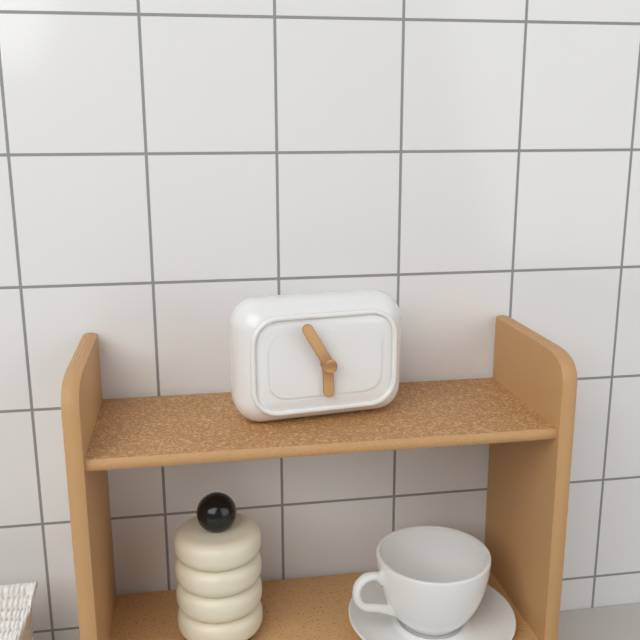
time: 5:55
